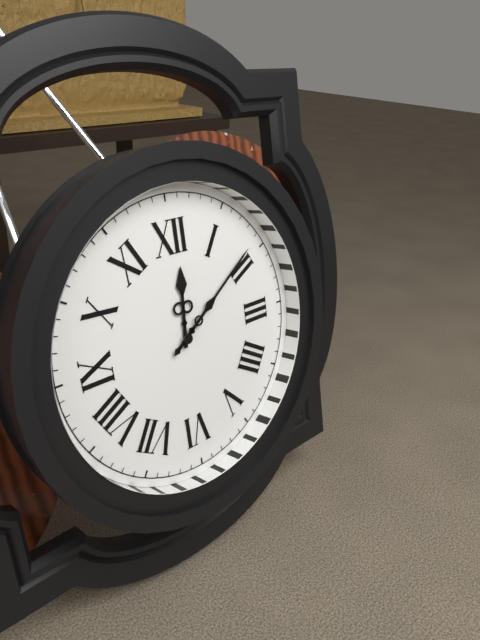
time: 12:09
